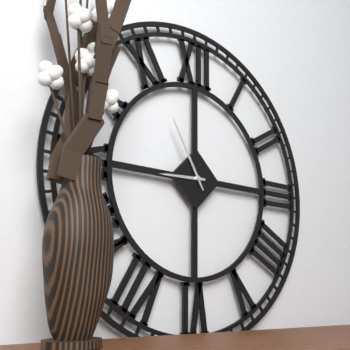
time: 8:55
